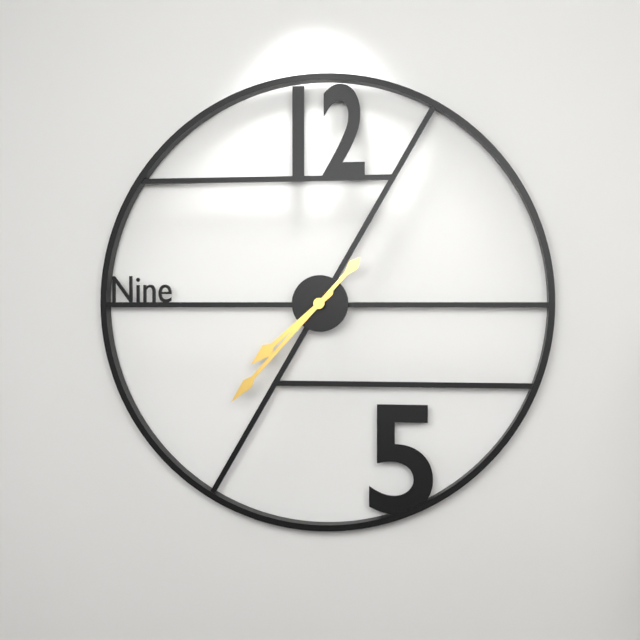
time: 7:37
